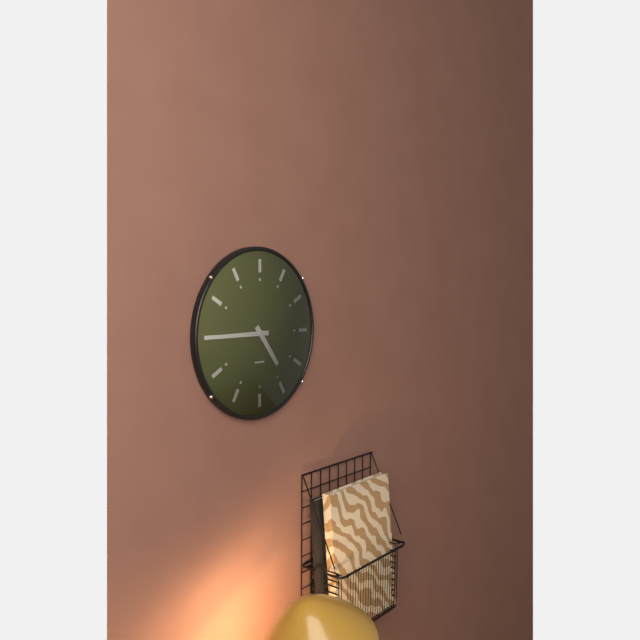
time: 4:45
